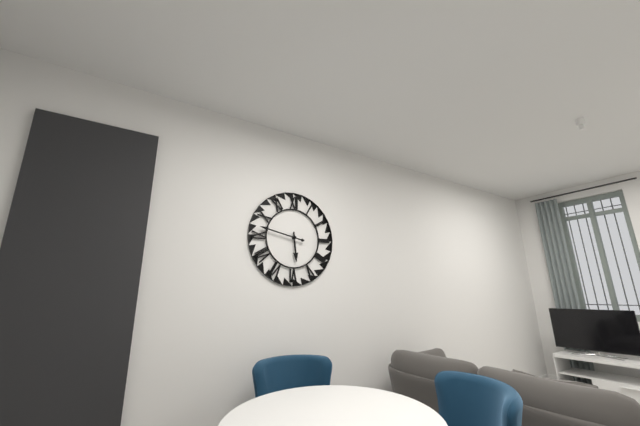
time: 5:47
